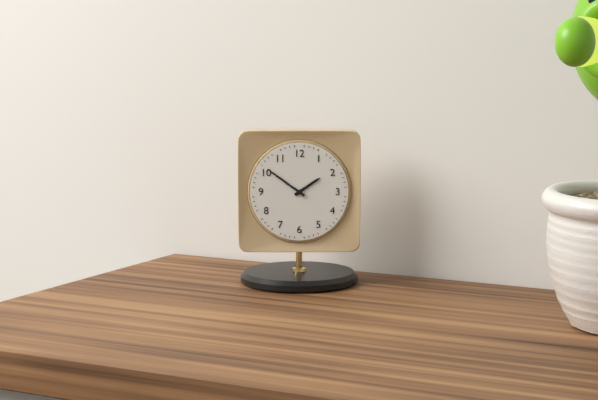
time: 1:51
